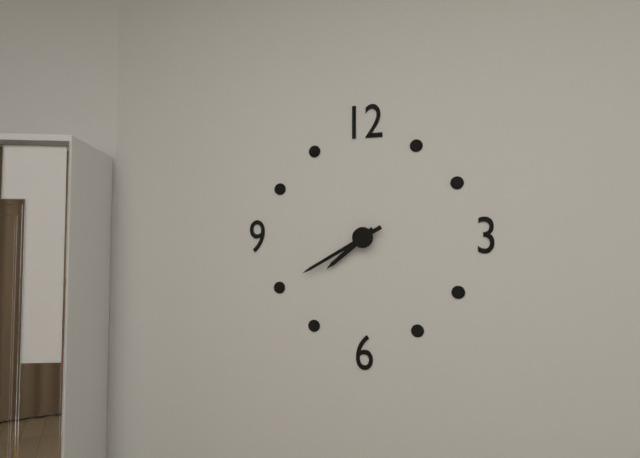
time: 7:40
